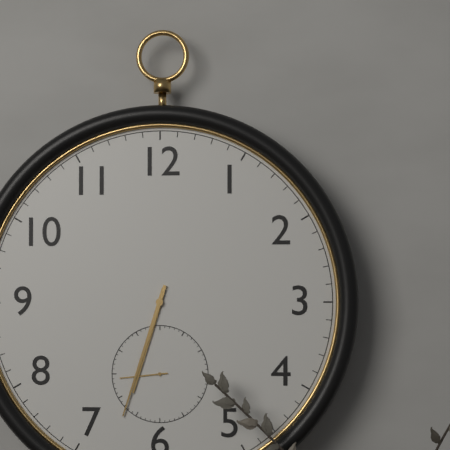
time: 6:33:44
